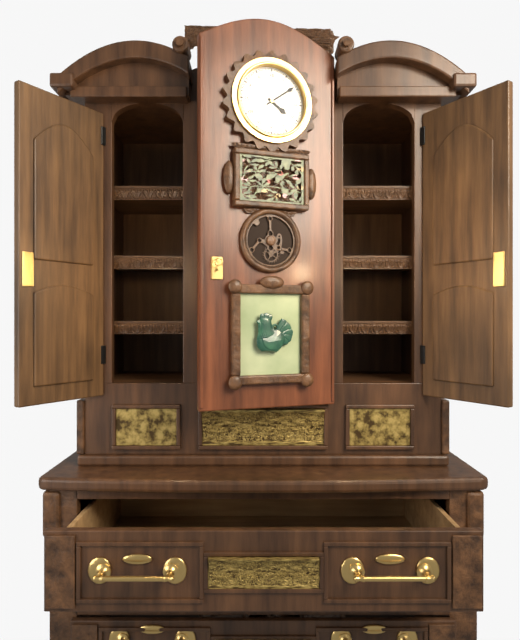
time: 4:09
